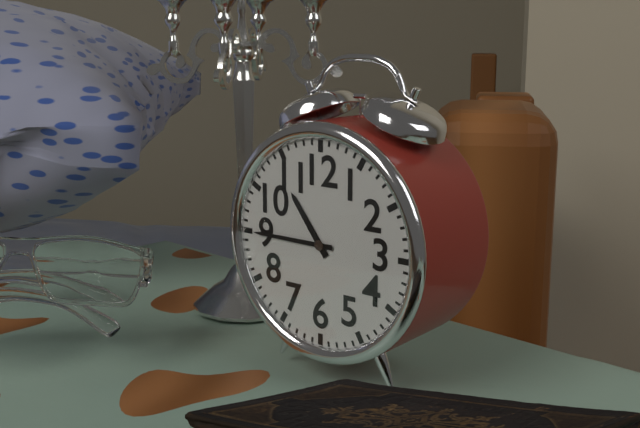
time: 10:45
